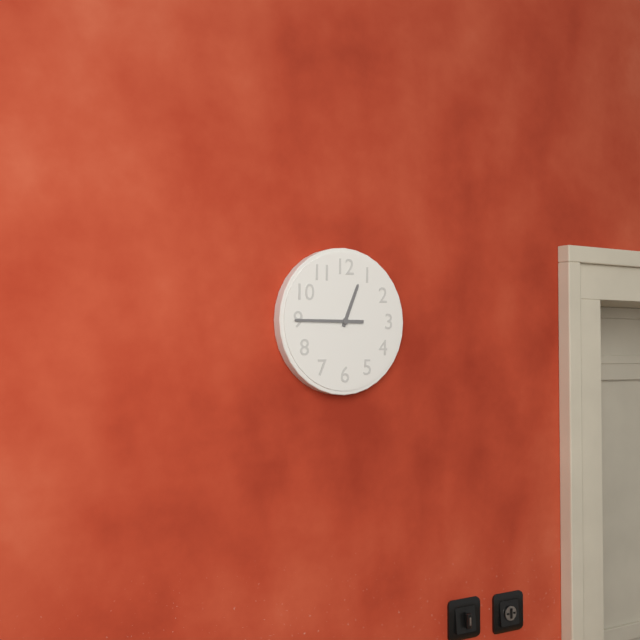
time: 12:45
